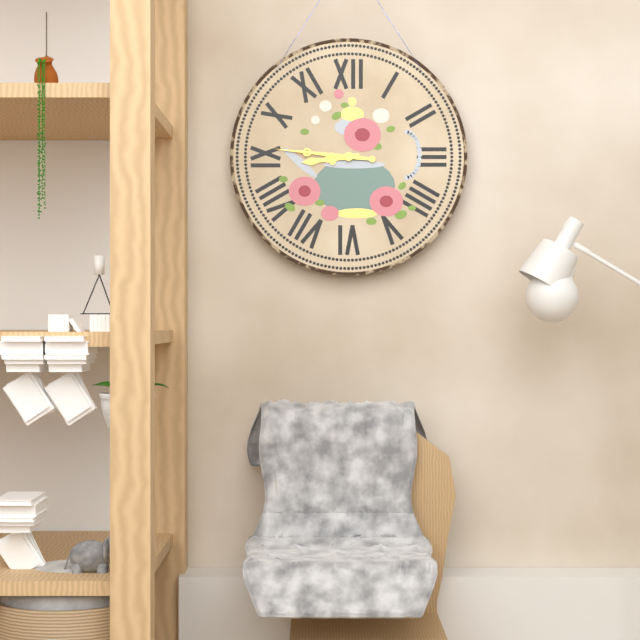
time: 8:46
